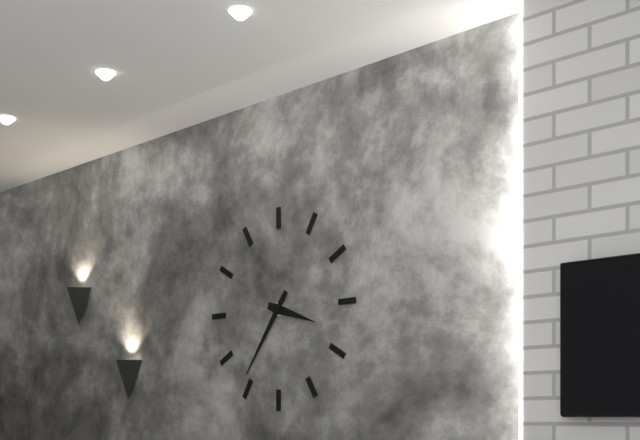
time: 3:36
